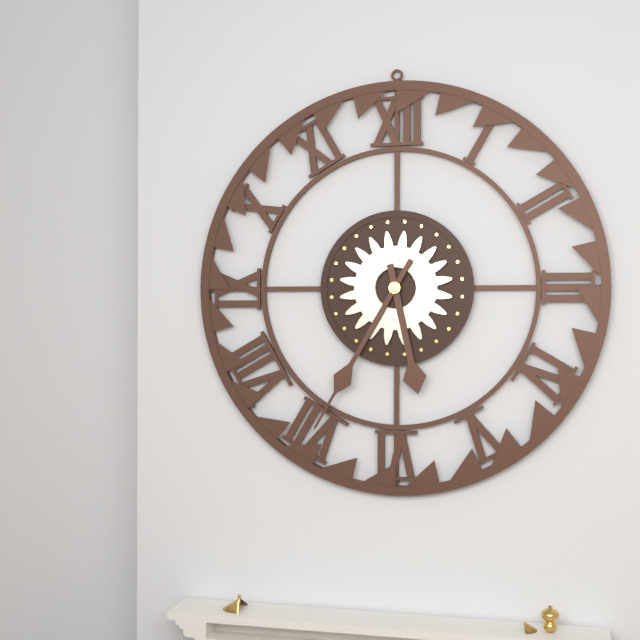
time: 5:35
